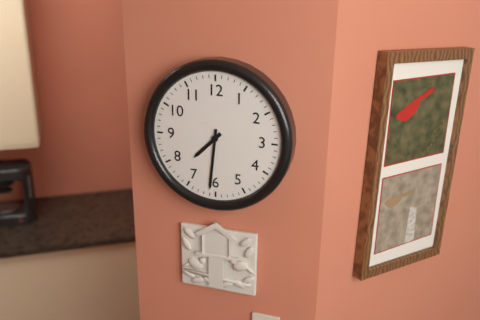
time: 7:31
